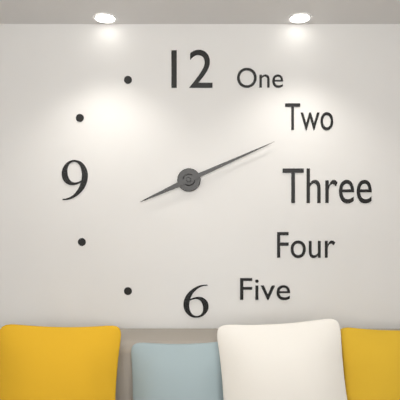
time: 8:11
